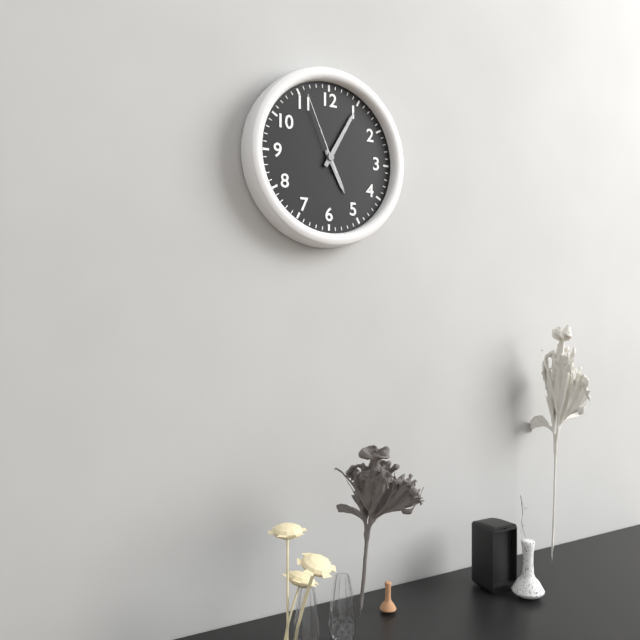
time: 5:05:56
